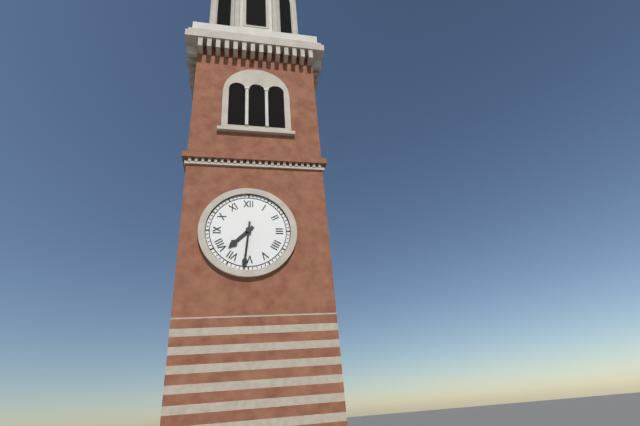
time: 7:31
